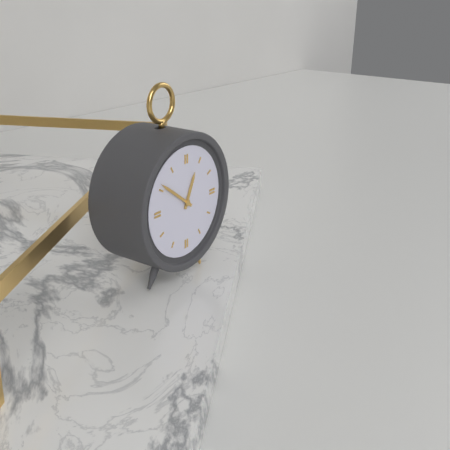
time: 12:51
